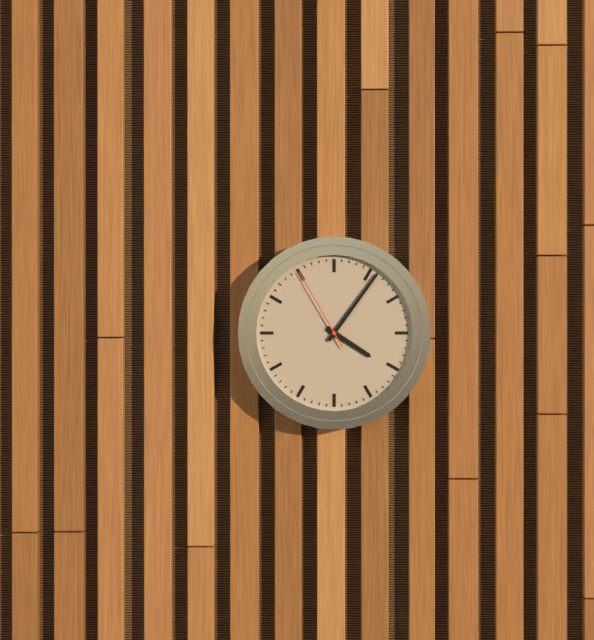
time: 4:06:55
